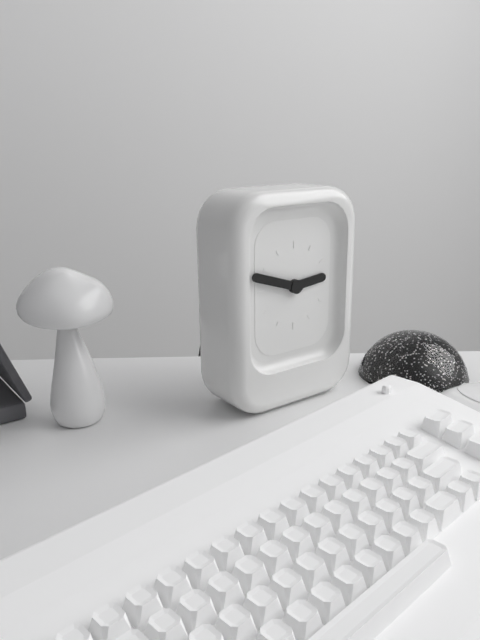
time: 2:48
